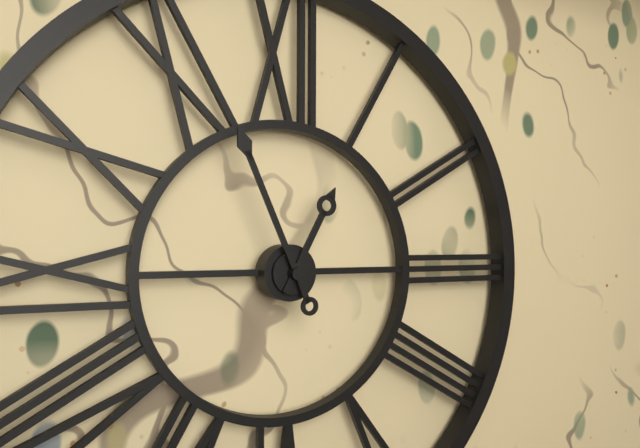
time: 12:56
